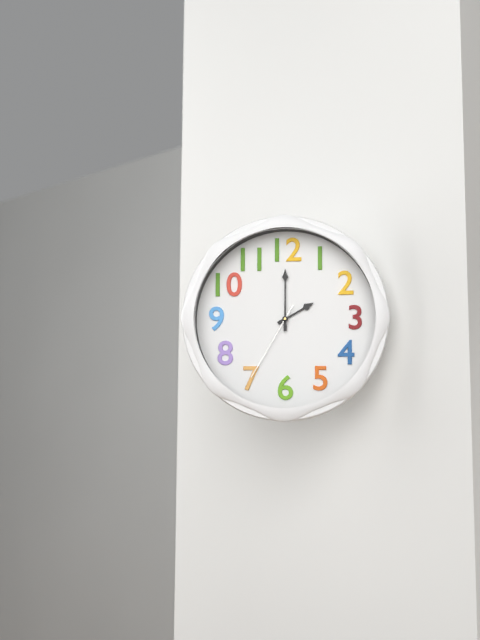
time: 2:00:35
